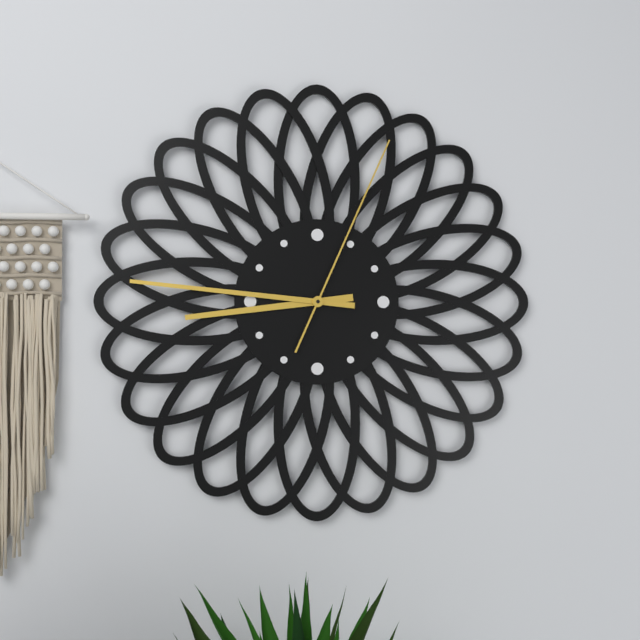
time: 8:46:04
